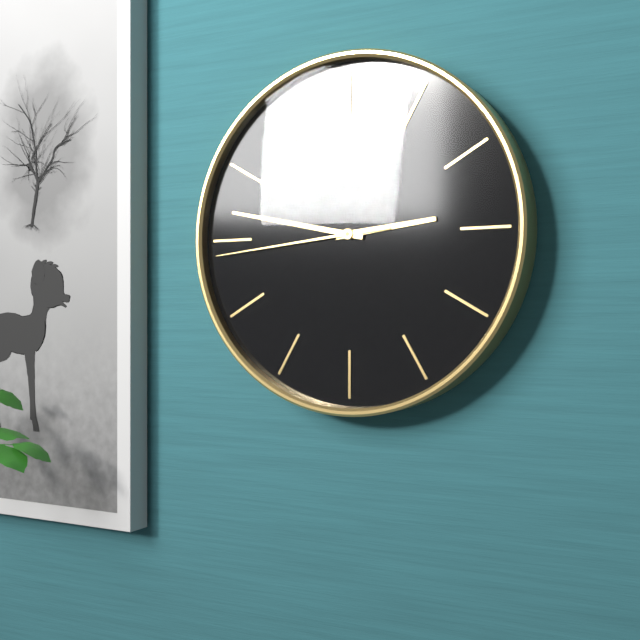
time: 2:47:44
